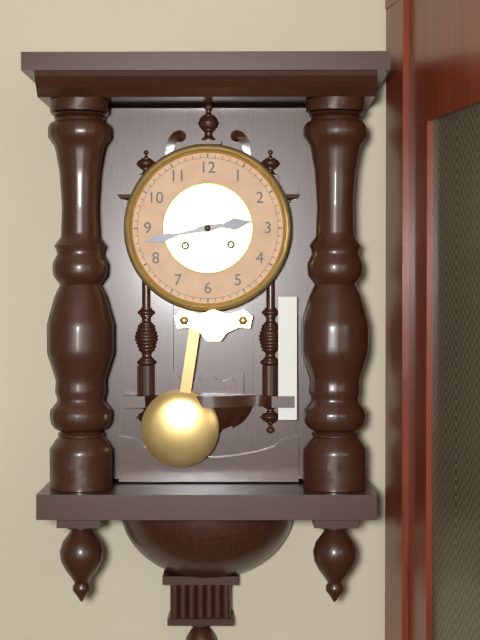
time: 2:43
